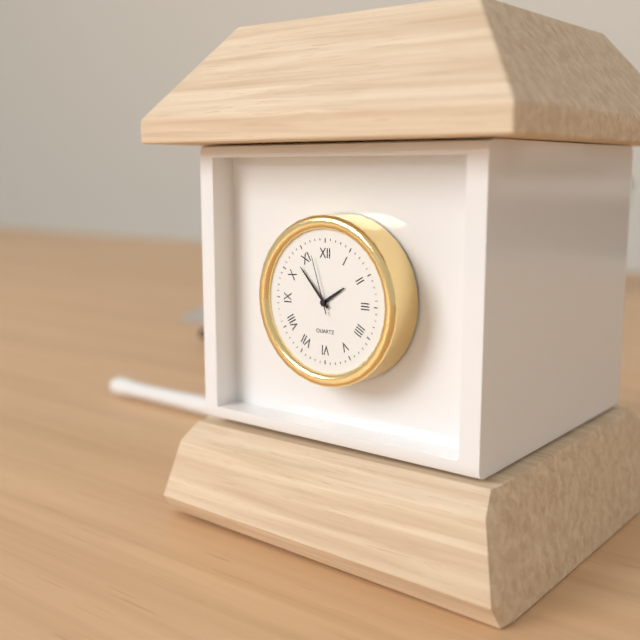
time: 1:53:57
